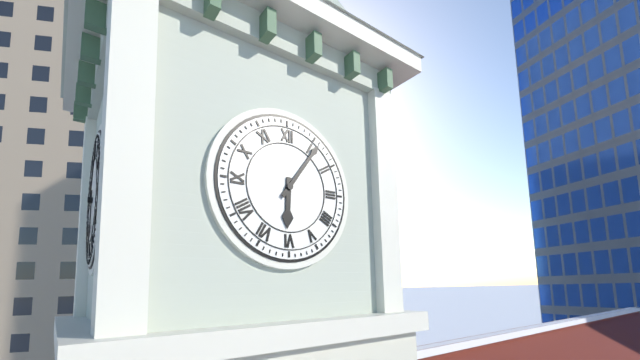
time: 6:06
